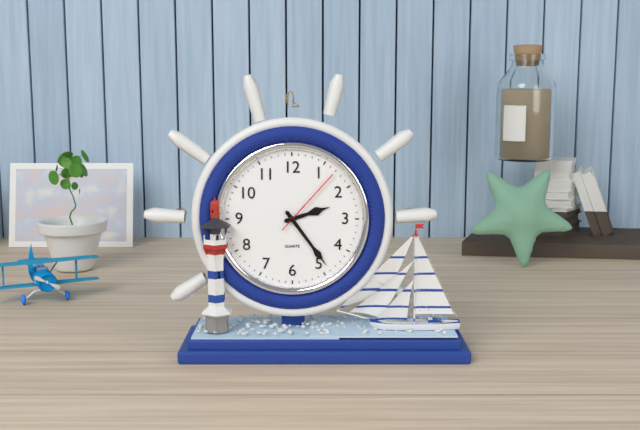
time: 2:24:07
